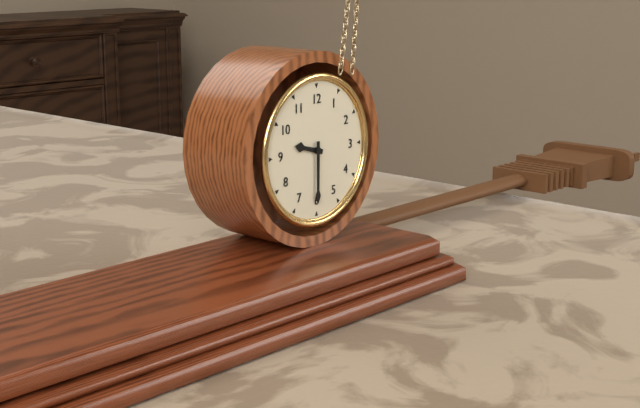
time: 9:30
